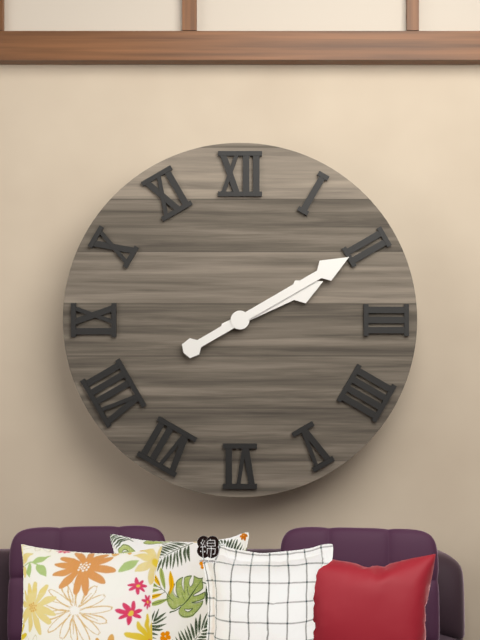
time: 2:10
